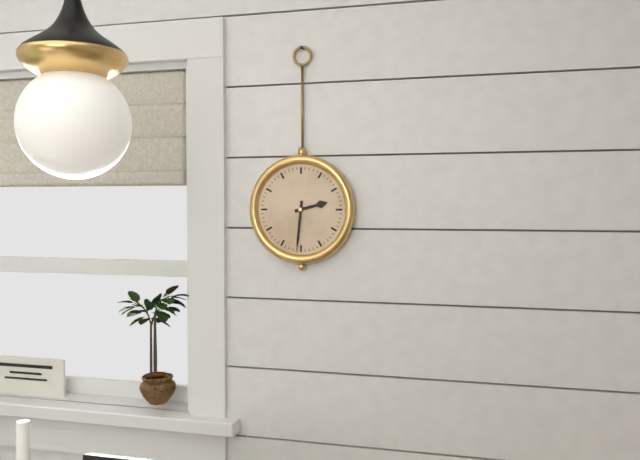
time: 2:31
